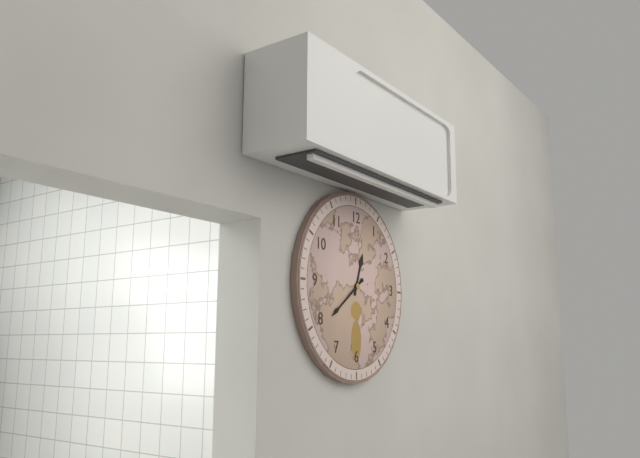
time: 12:39
